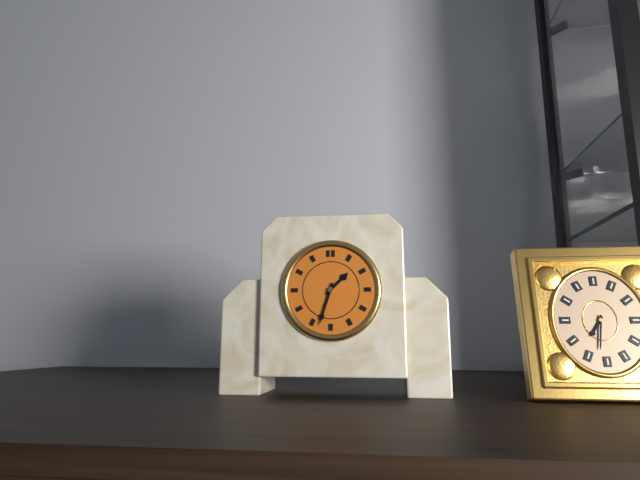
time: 1:33
